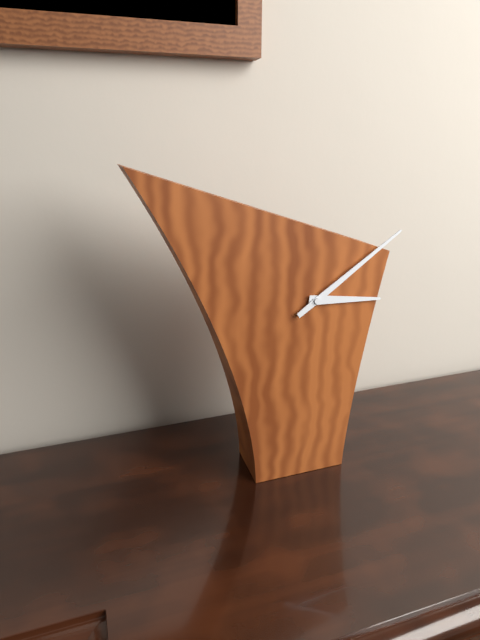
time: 3:09
